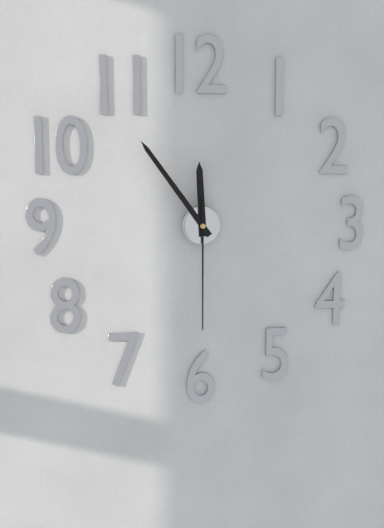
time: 11:54:30
